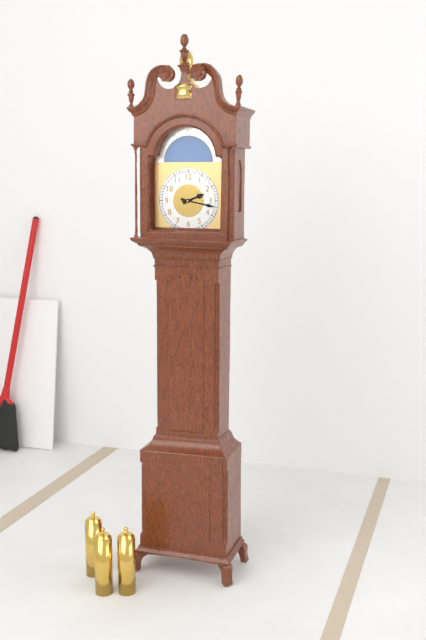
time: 2:17
